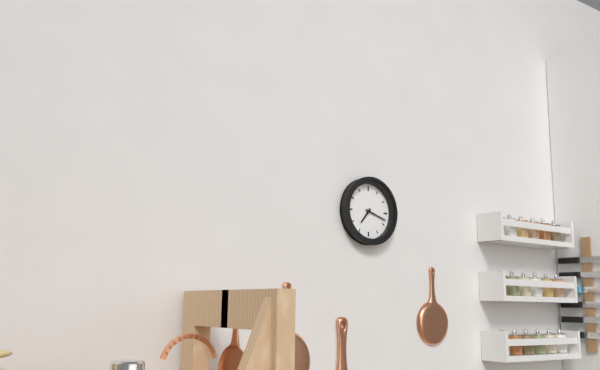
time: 7:18
